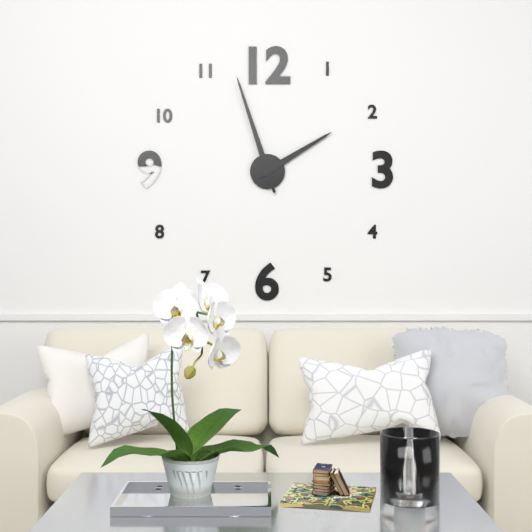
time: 1:57
